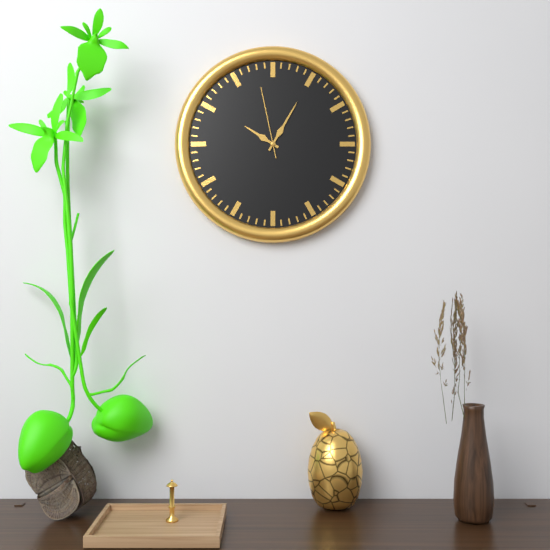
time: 10:05:58
